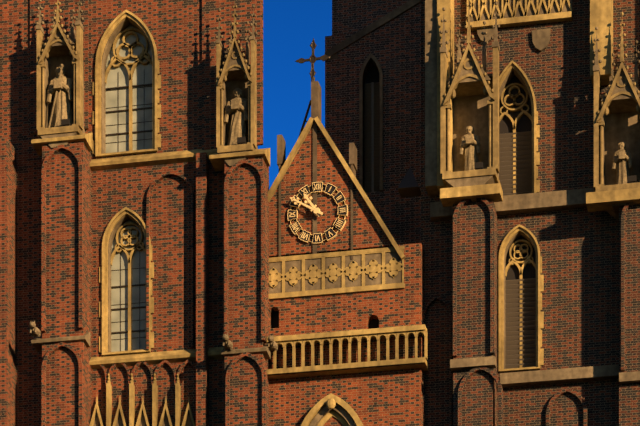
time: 10:50
